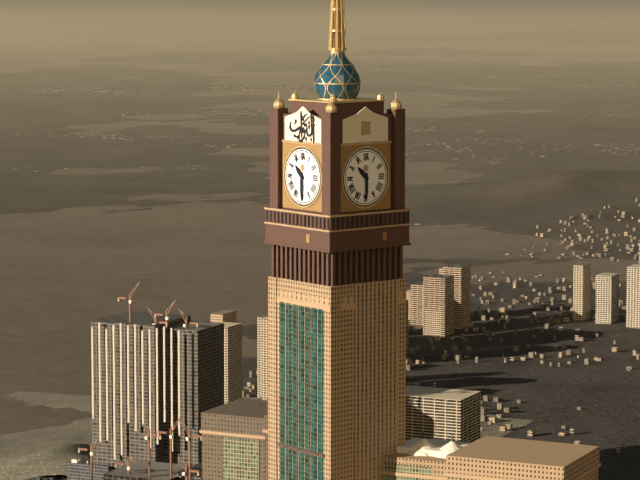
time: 10:30
